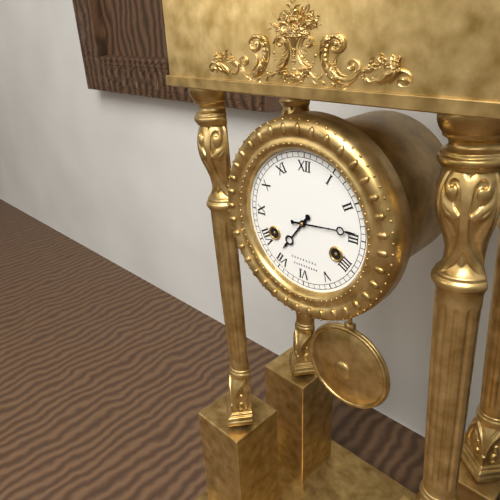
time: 7:14
